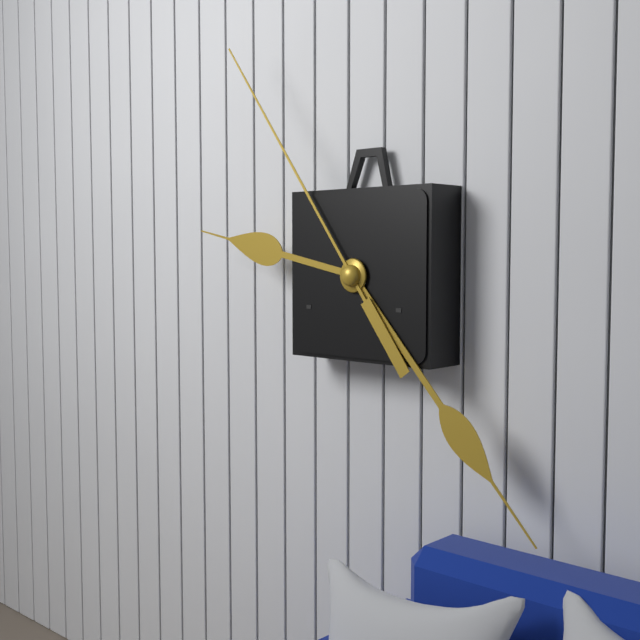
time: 9:23:54
